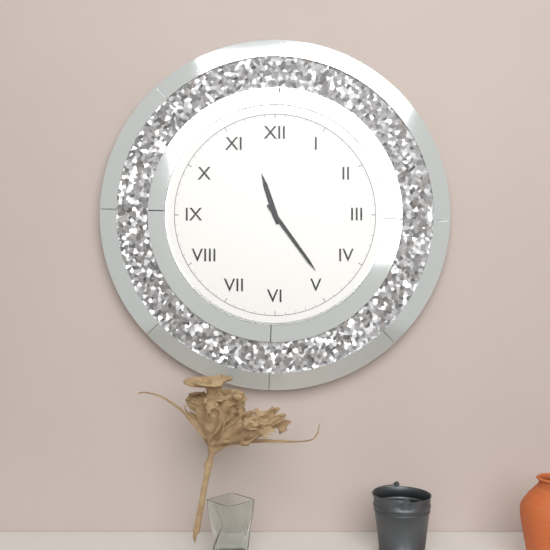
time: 11:24
